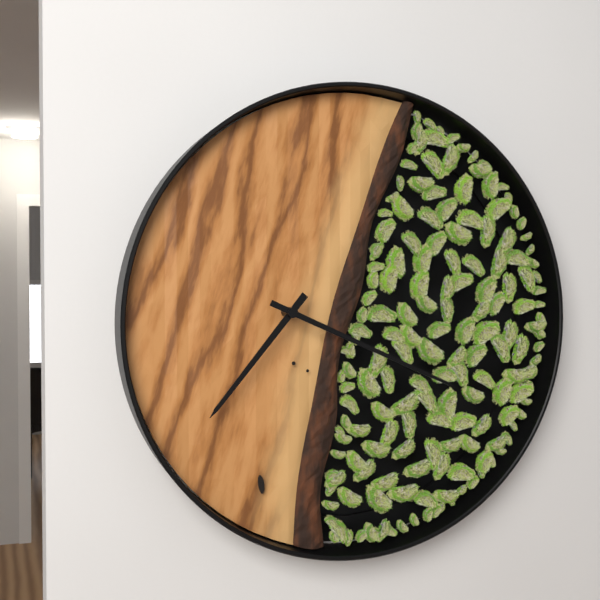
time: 7:19
